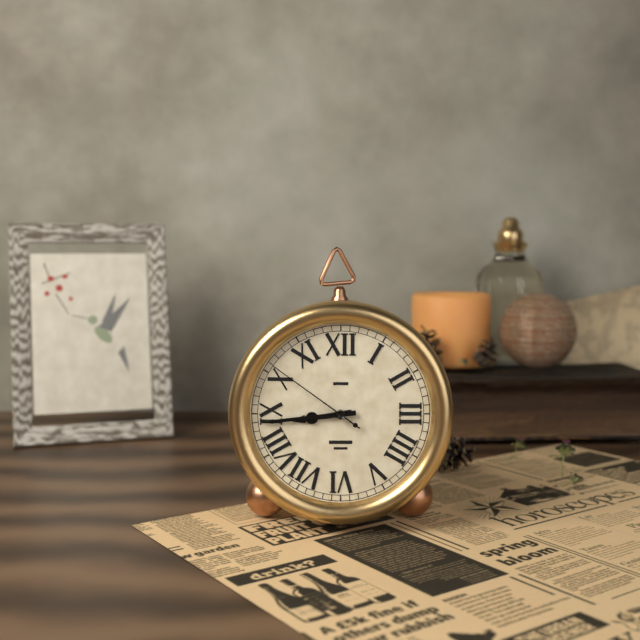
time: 8:44:51
